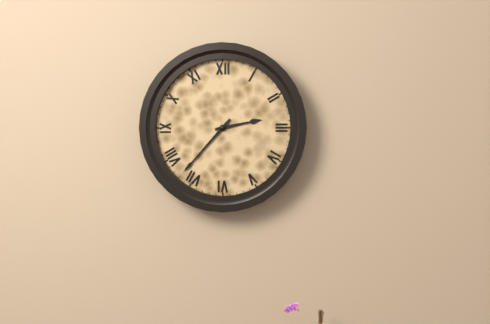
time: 2:37
